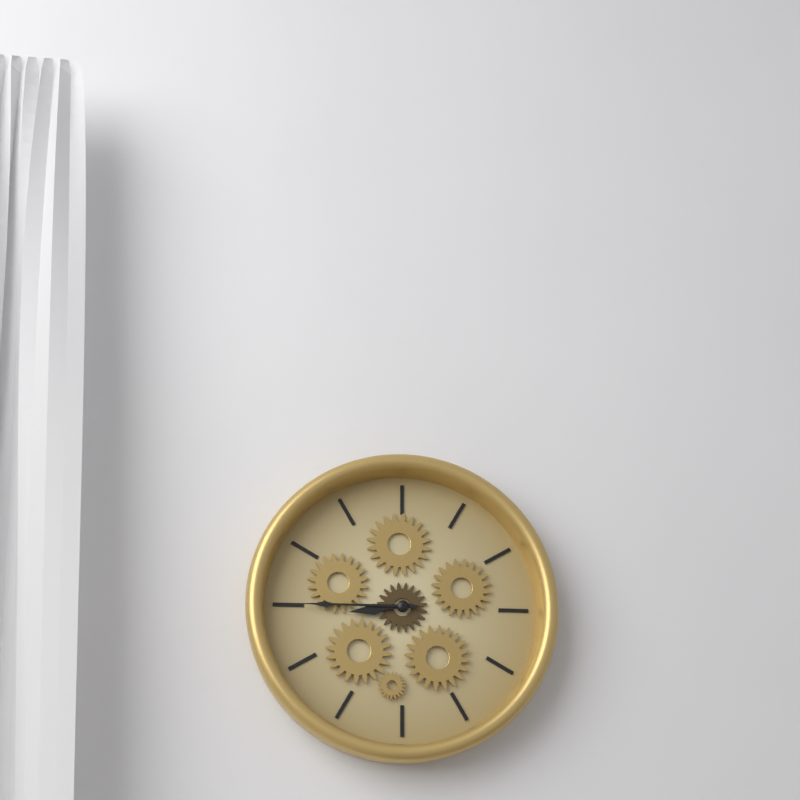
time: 8:45
